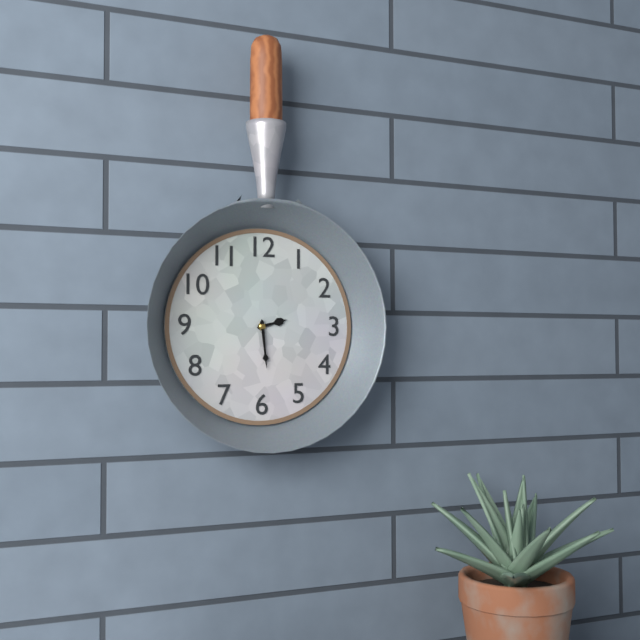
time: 2:29
